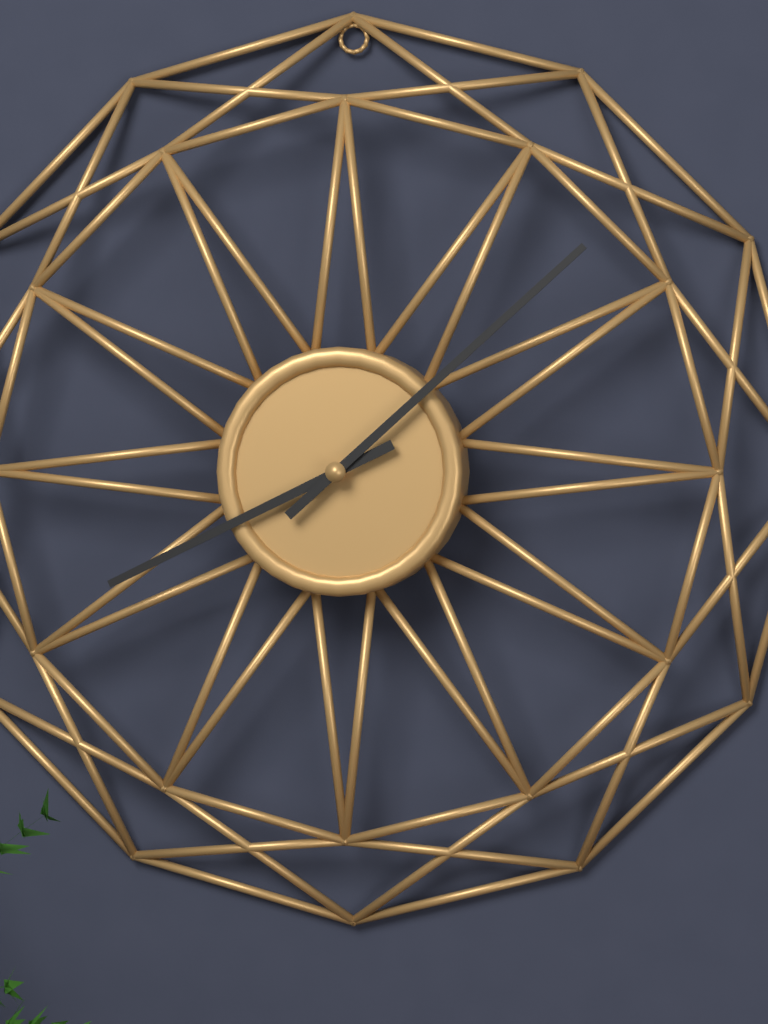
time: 8:08
